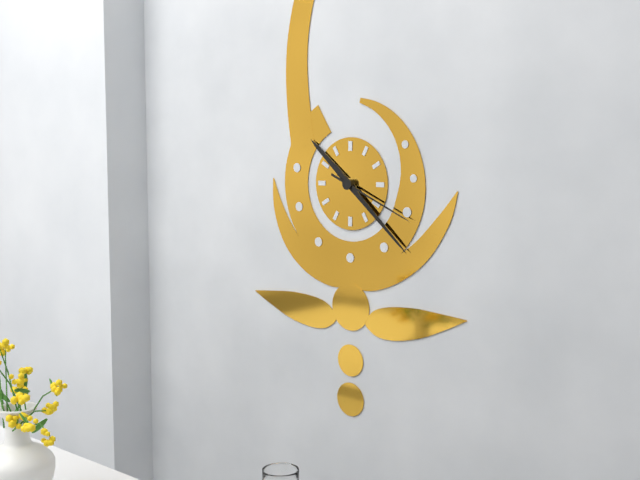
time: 10:22:19
